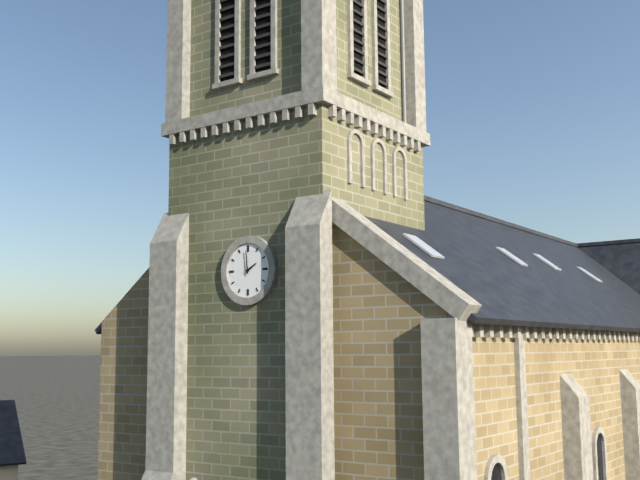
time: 1:59
